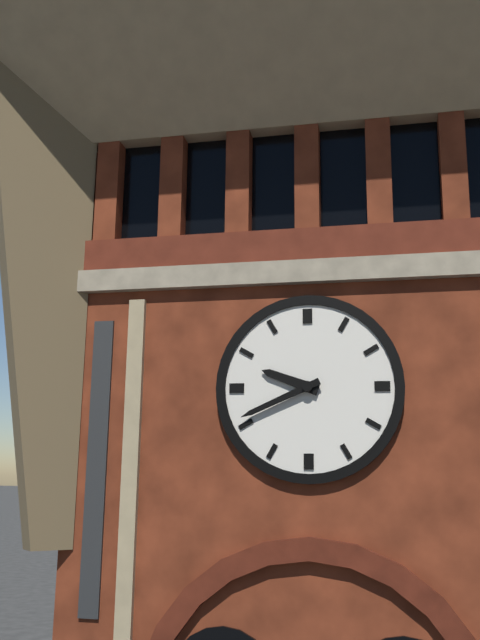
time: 9:41
